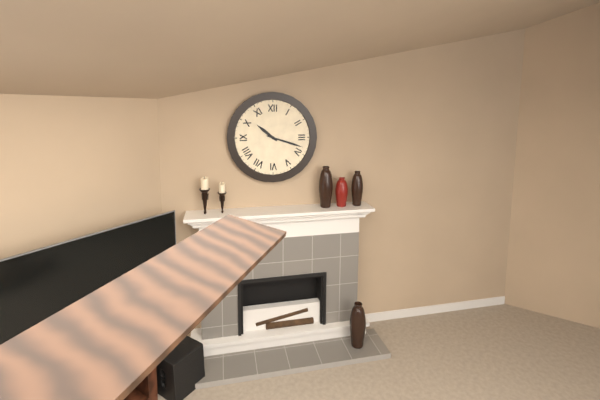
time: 10:18
